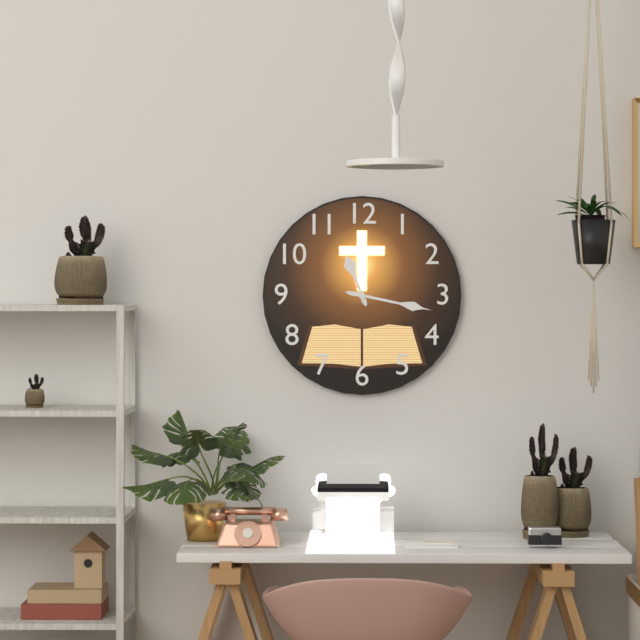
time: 11:17
